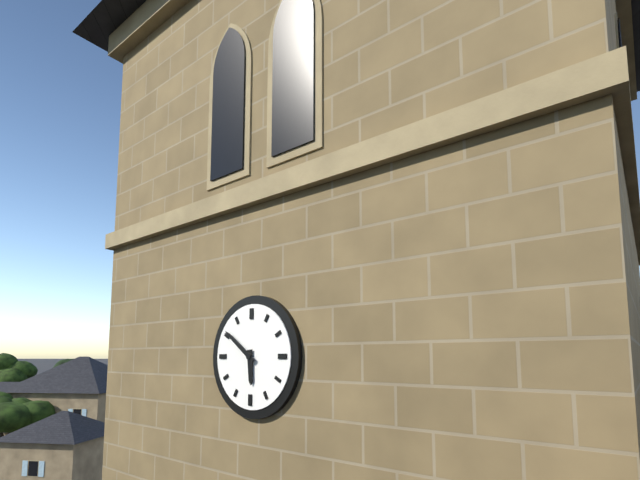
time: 5:51
